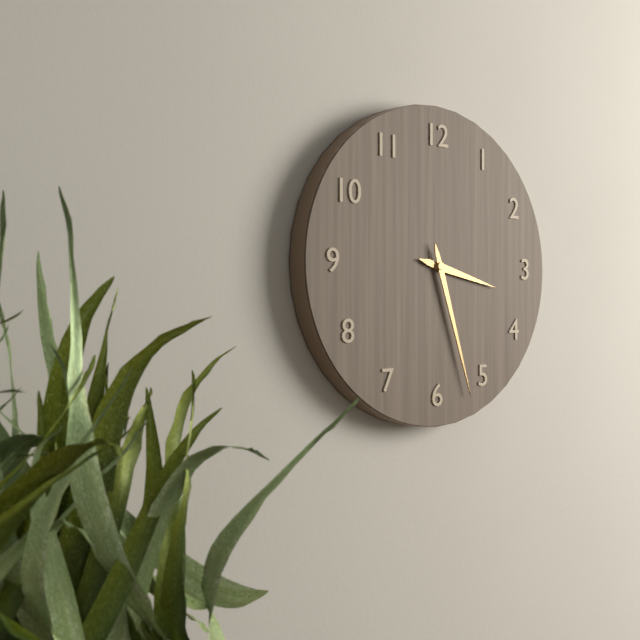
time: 3:27
